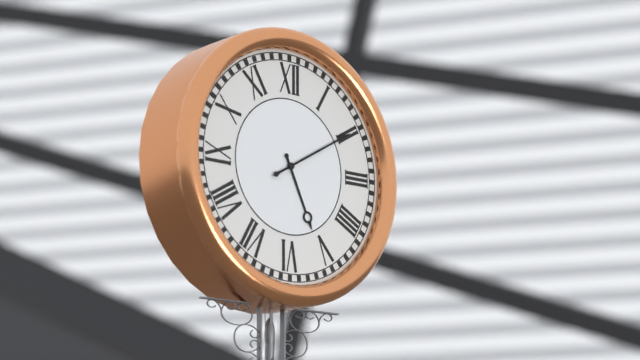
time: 5:10
